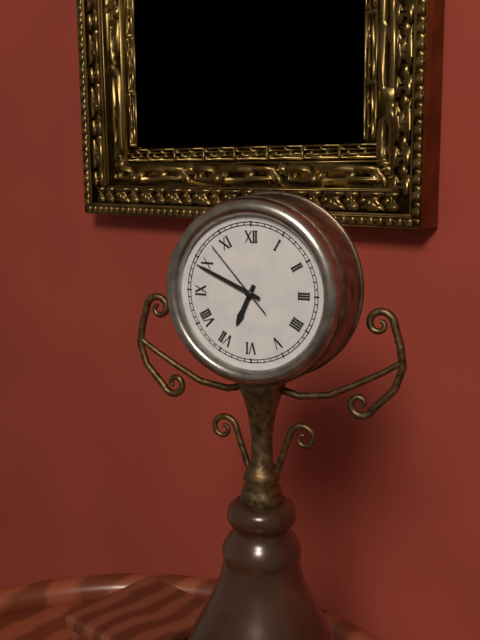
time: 6:49:53
